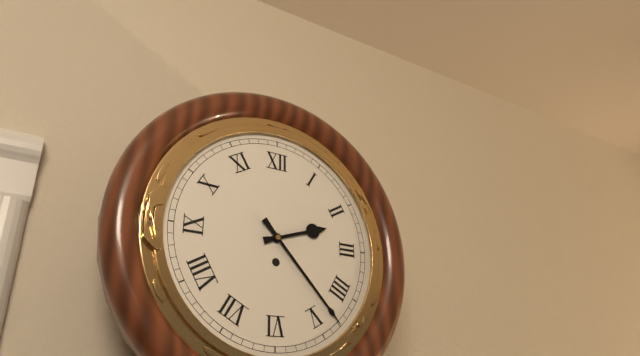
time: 2:23
